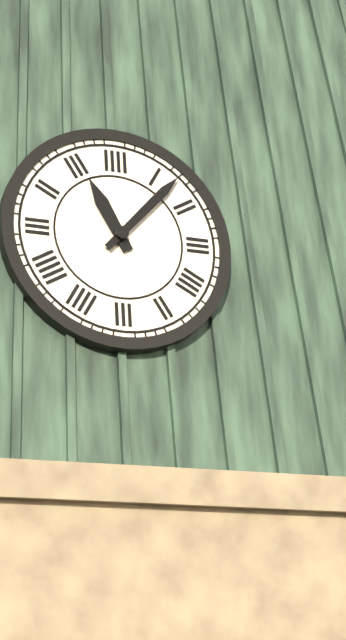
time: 11:07
